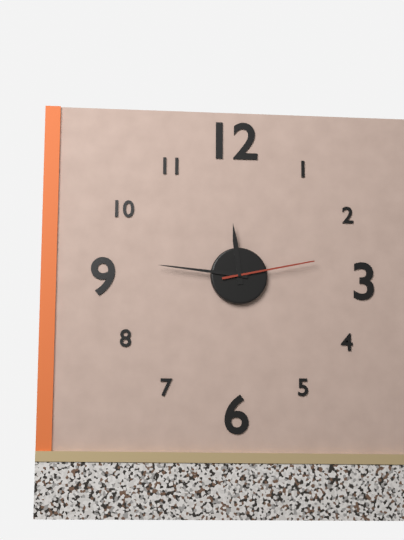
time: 11:46:13
